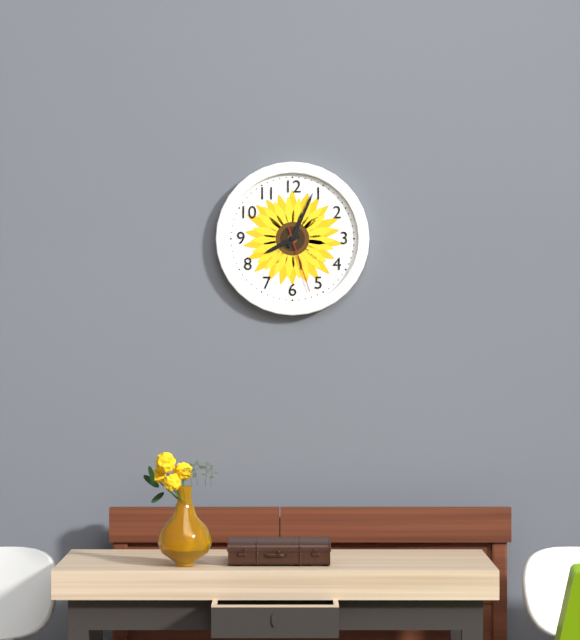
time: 8:04:27
